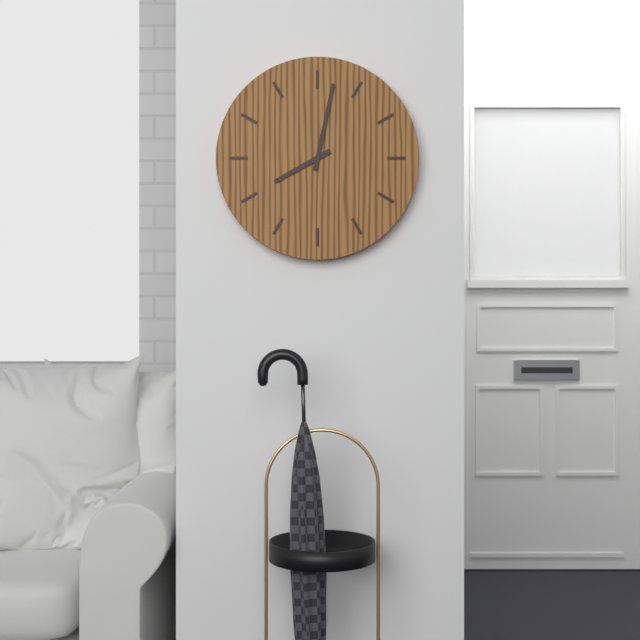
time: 8:02
